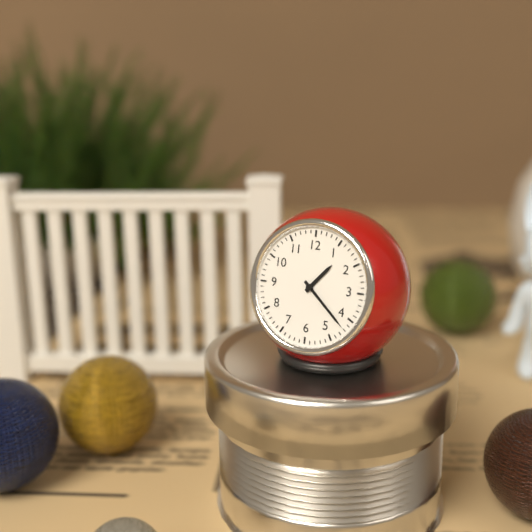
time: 1:22
